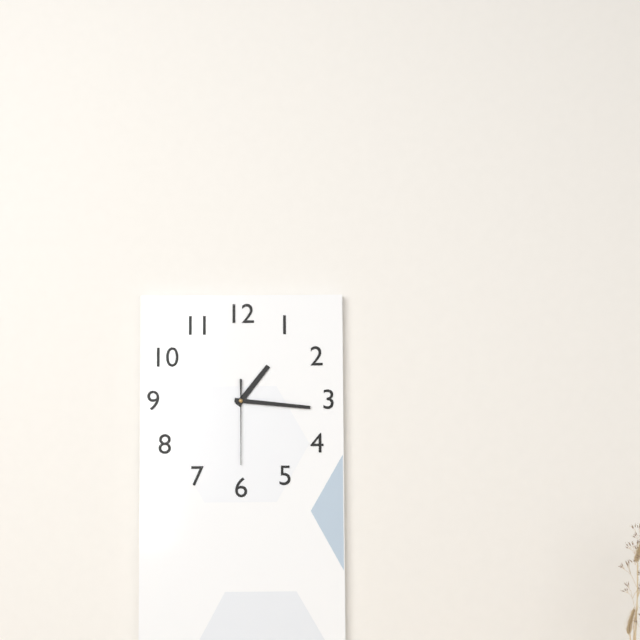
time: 1:16:30
